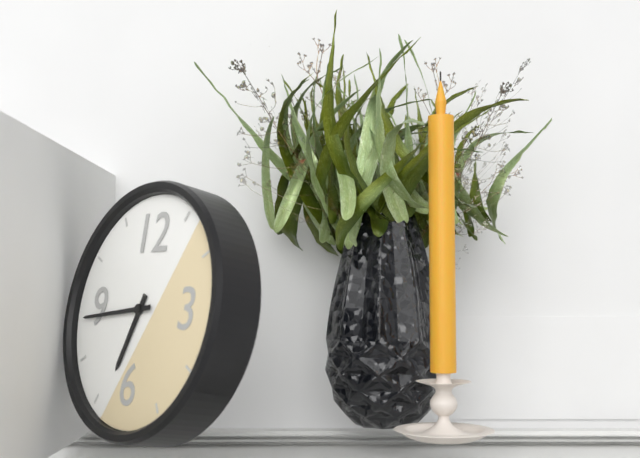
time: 6:44
